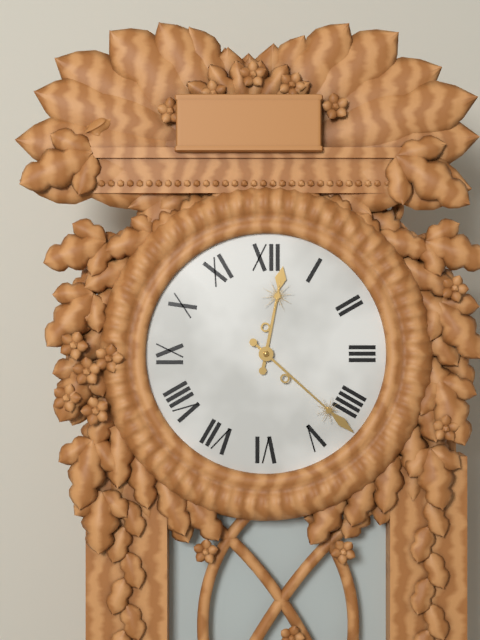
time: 12:22
